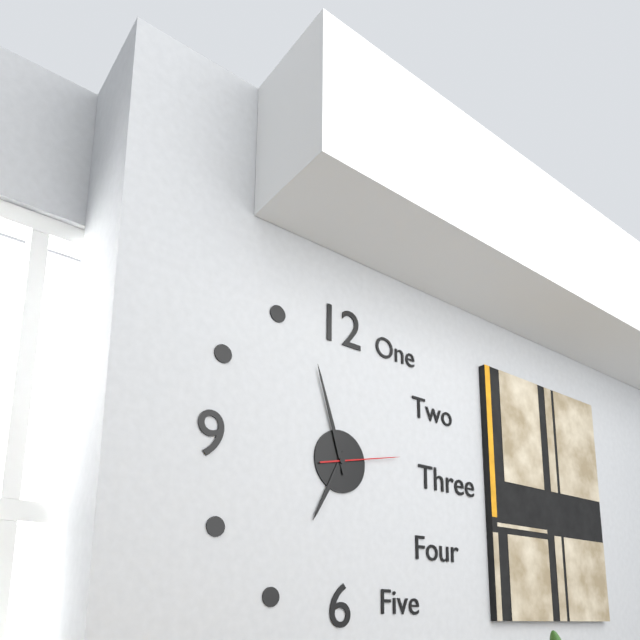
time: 6:57:13
